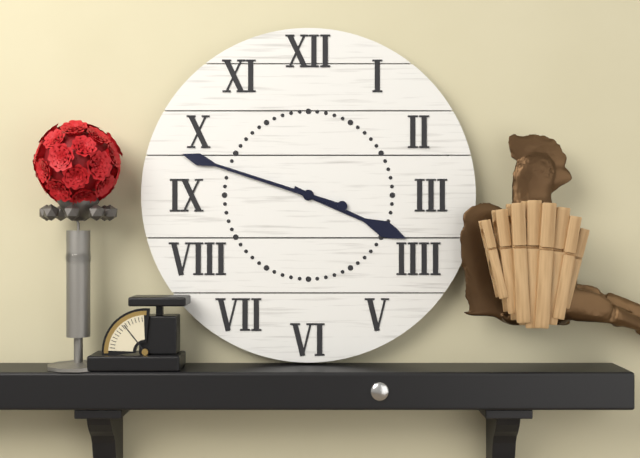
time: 3:48
